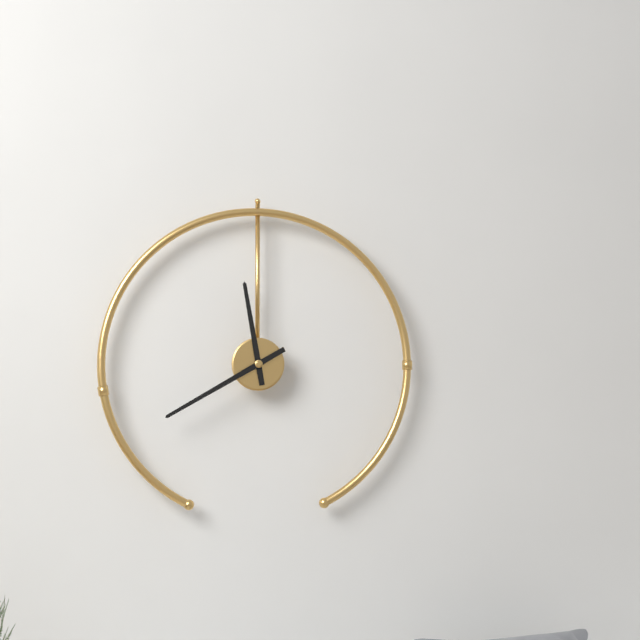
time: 11:40
